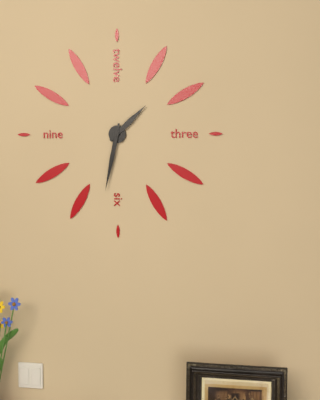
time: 1:32
